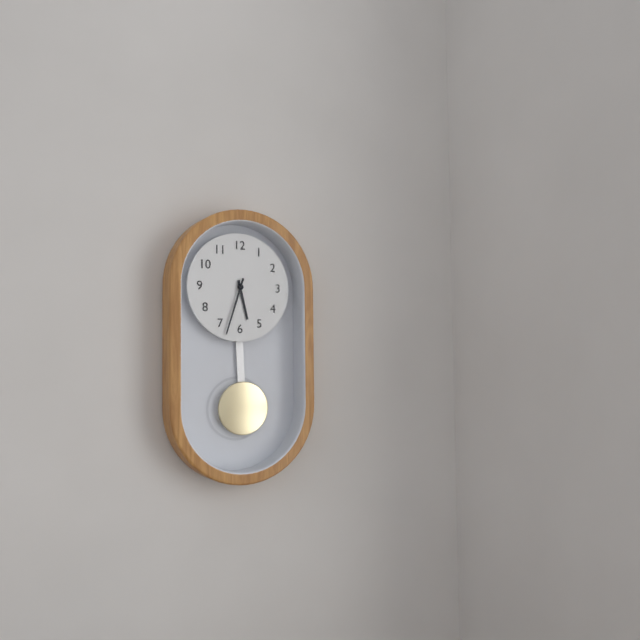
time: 5:33
